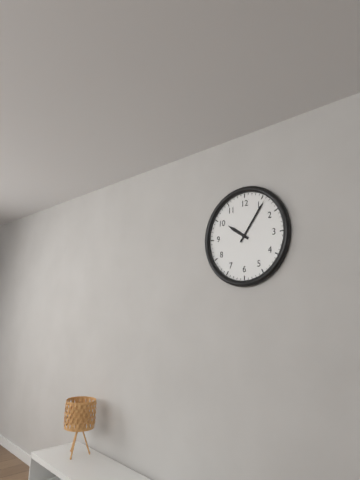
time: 10:06
